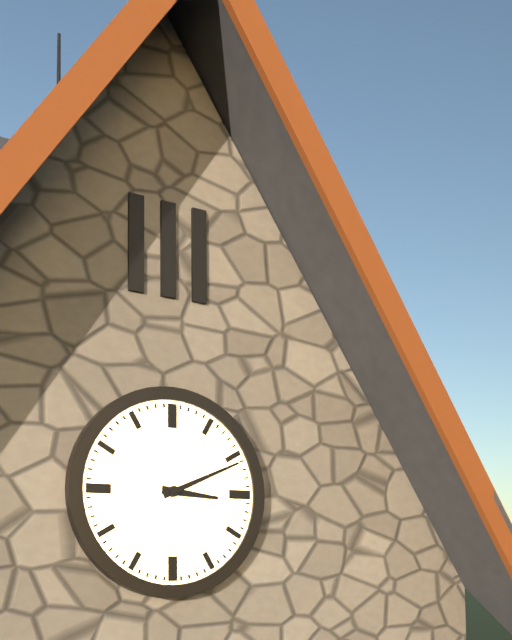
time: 3:11
